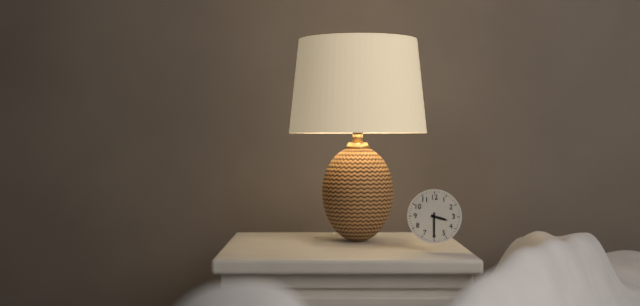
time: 3:30
